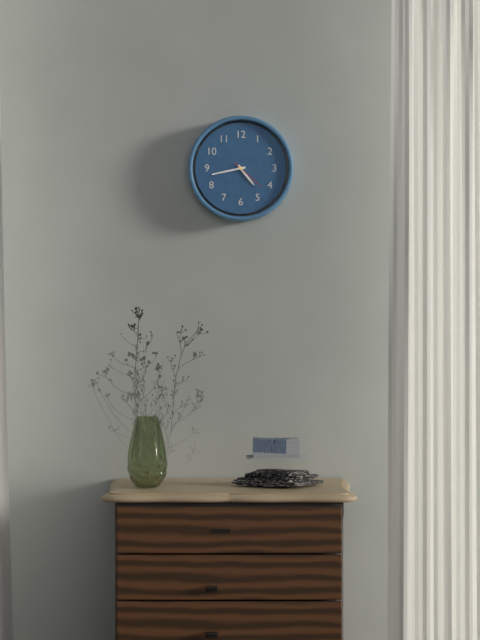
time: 4:43
